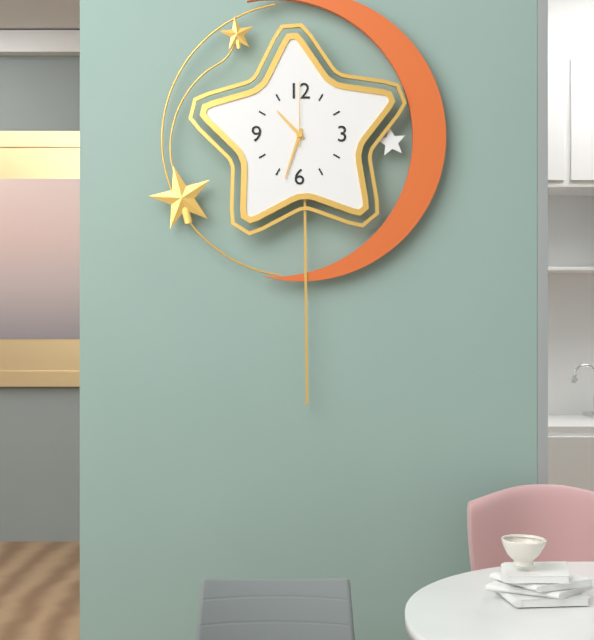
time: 10:33:00
